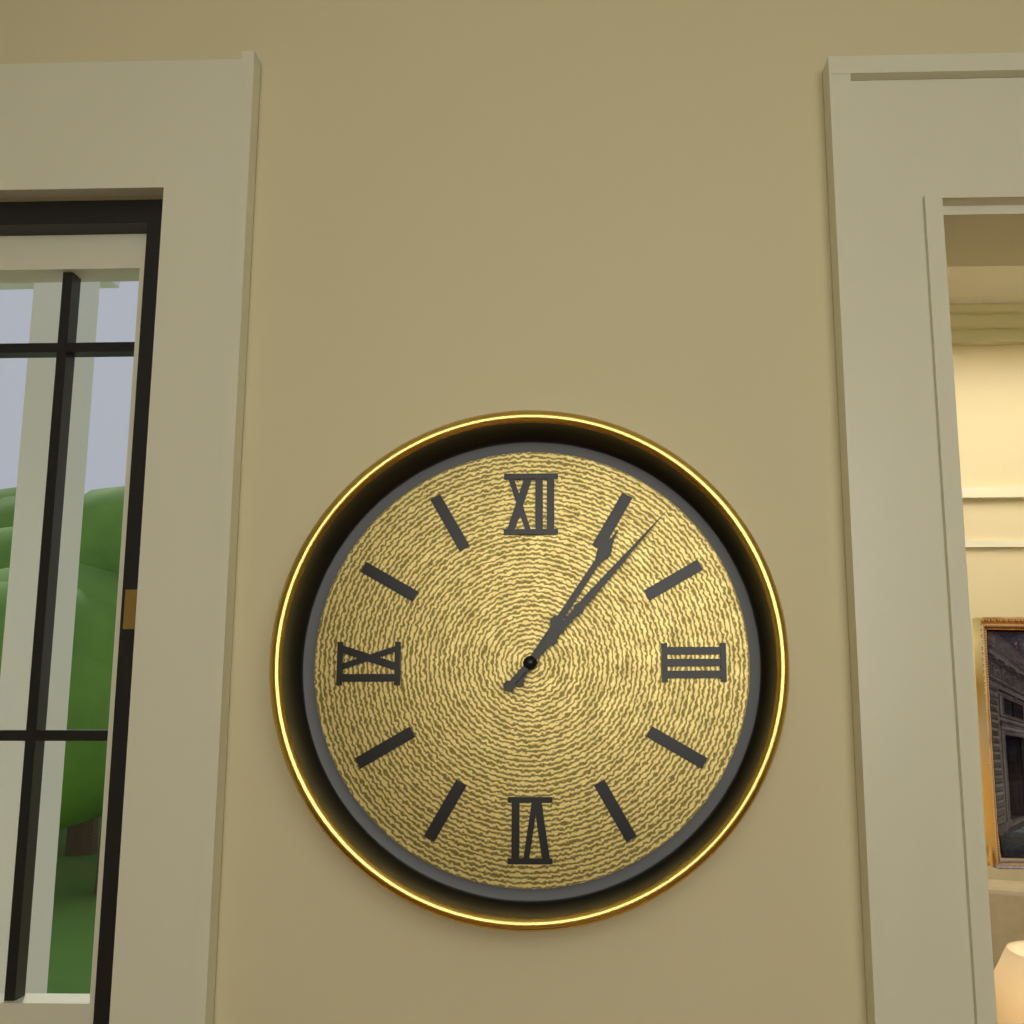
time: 1:07
